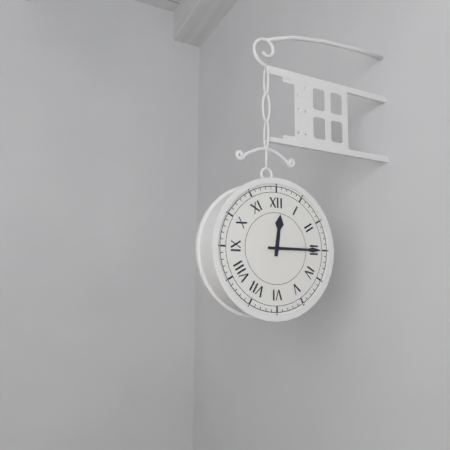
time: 12:15
